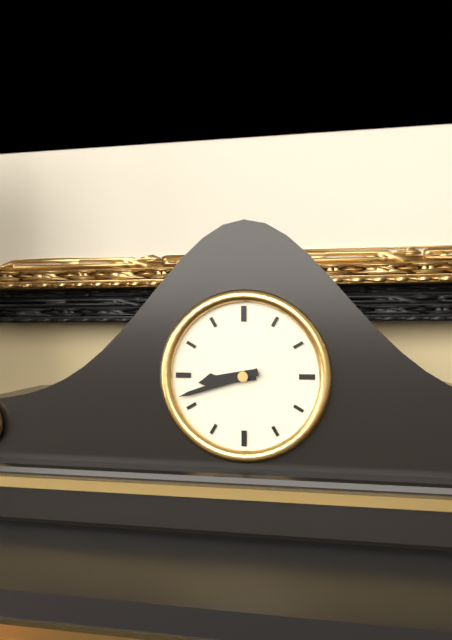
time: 8:42
